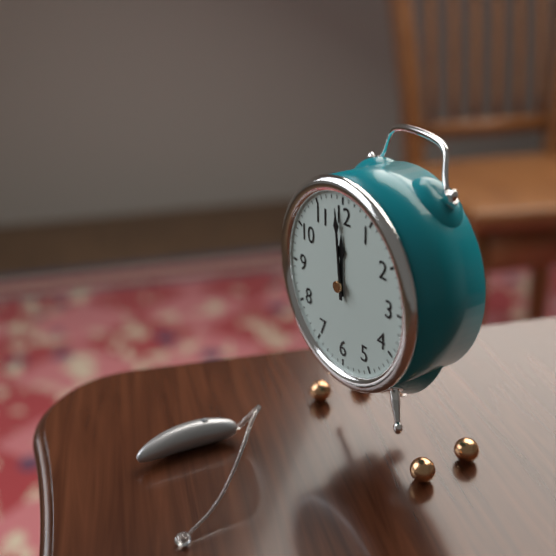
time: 11:59
